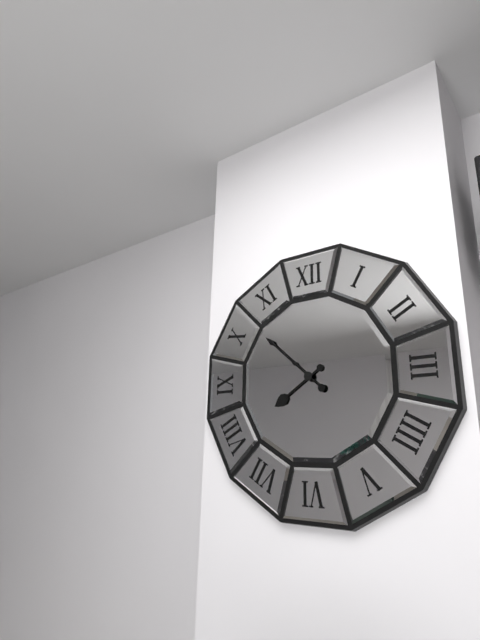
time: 7:52
